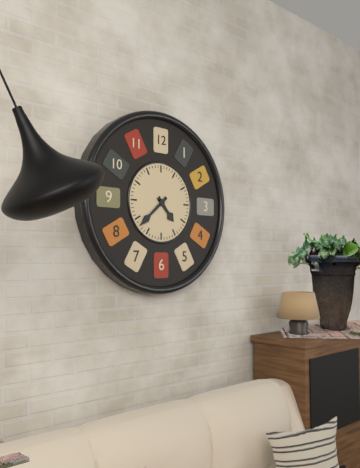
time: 4:38
